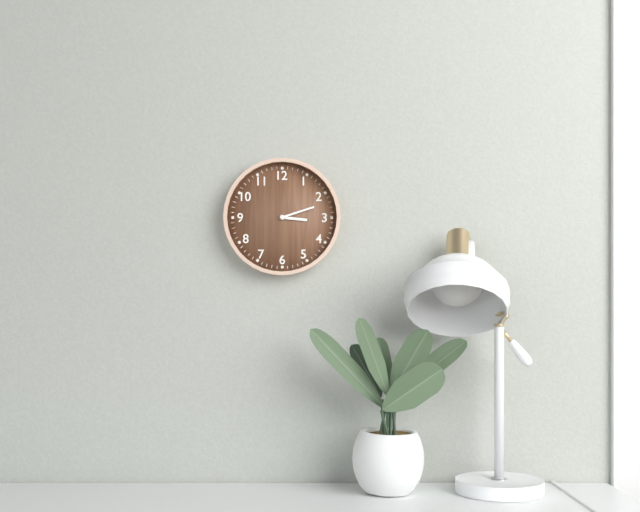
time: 3:12
